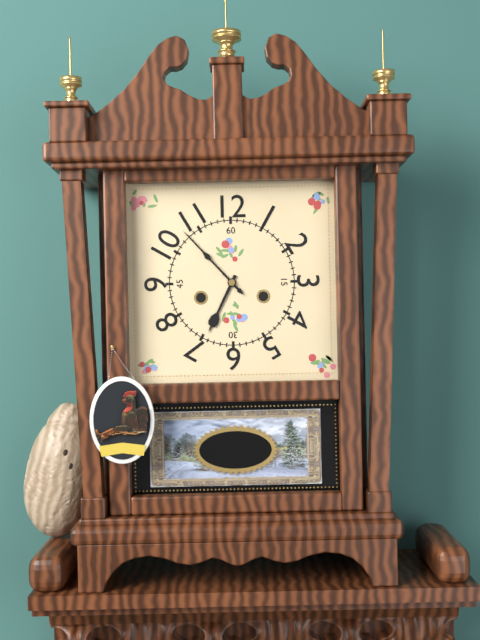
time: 6:53
